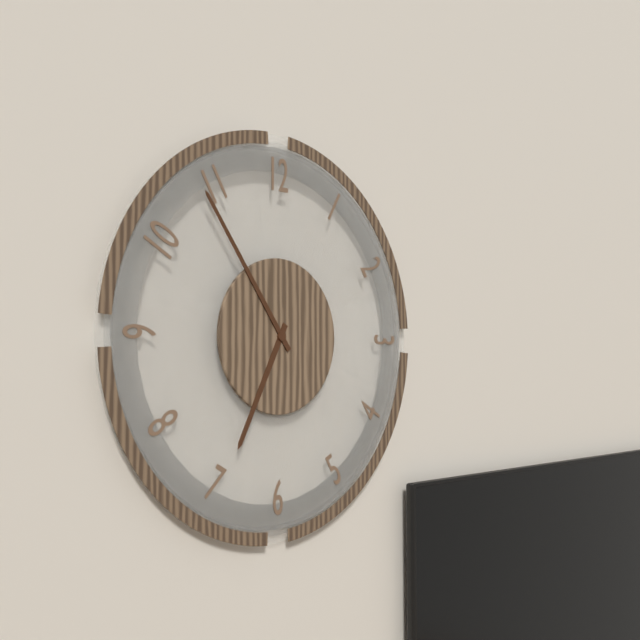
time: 6:54
